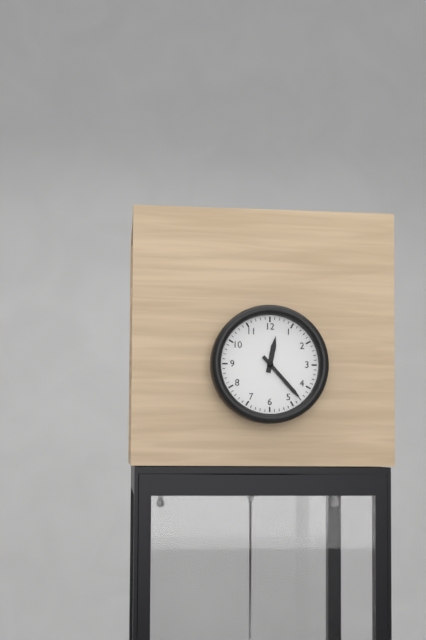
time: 12:23
